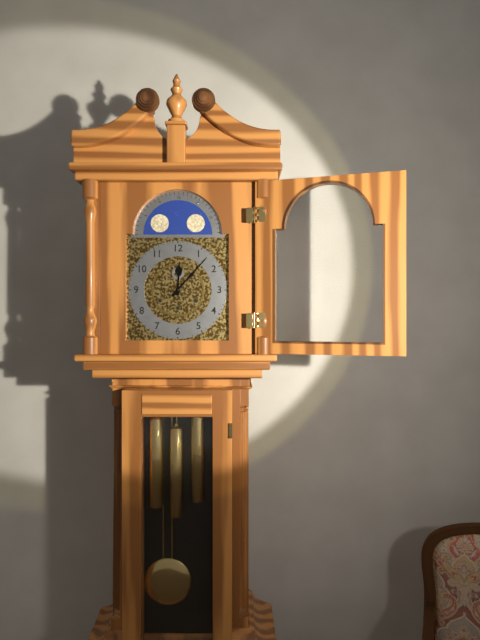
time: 12:07
